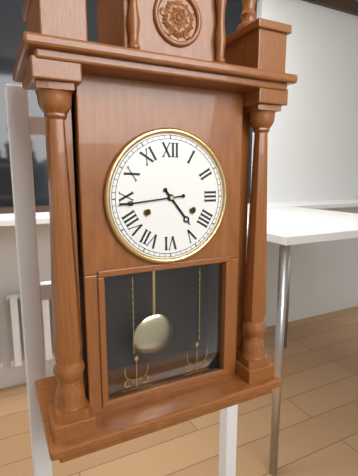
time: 4:44
